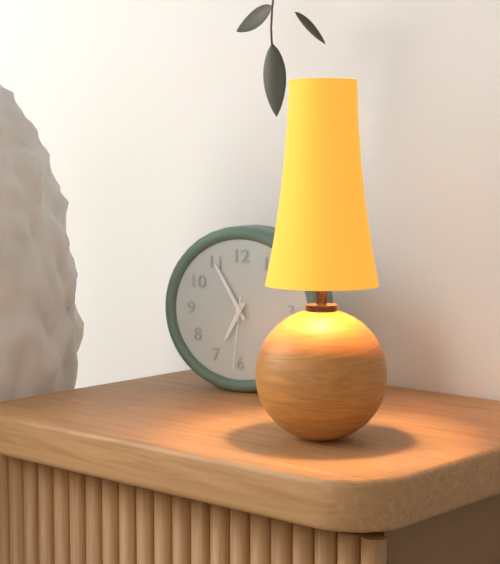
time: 6:55:31
